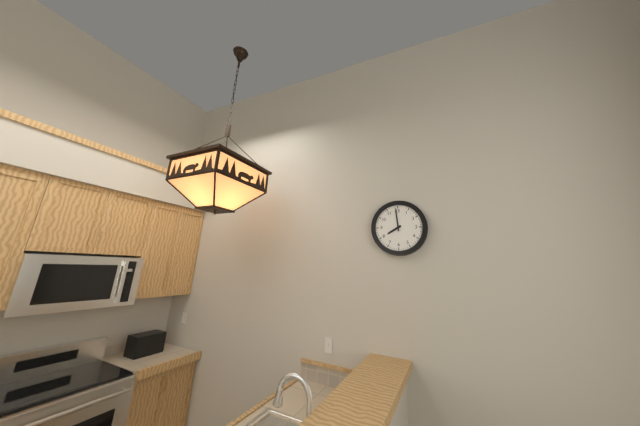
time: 7:59
